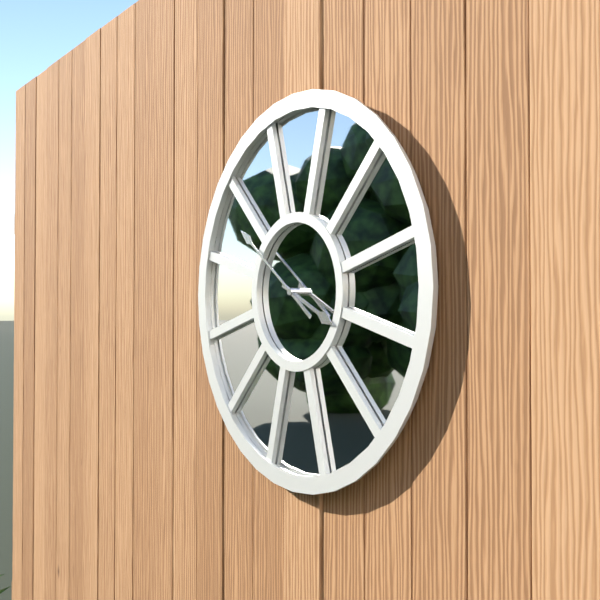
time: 3:51
